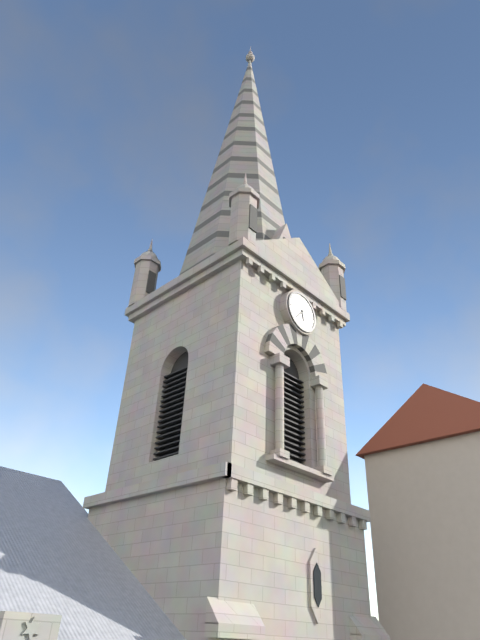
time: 5:37
